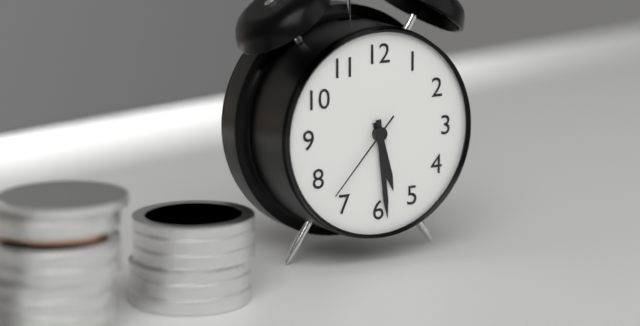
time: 5:29:37
